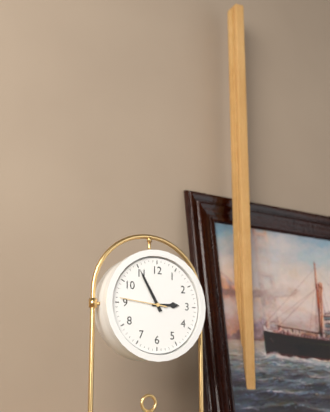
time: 2:55
